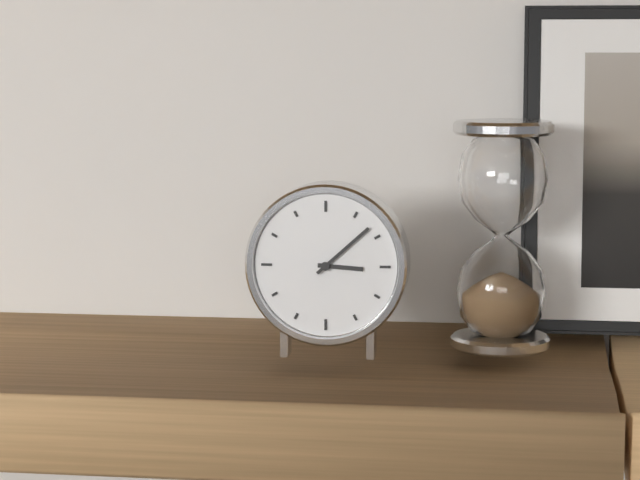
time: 3:08
